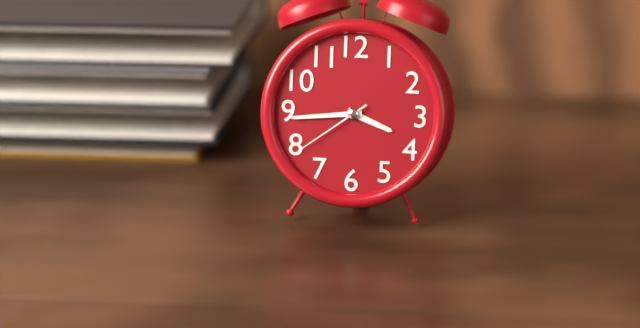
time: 3:44:39
